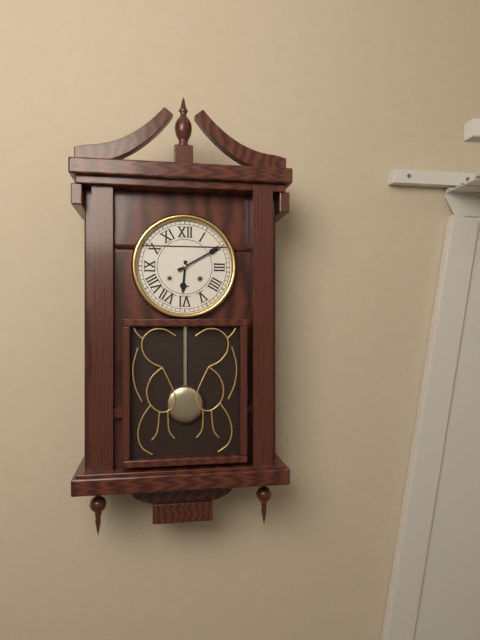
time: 6:10
